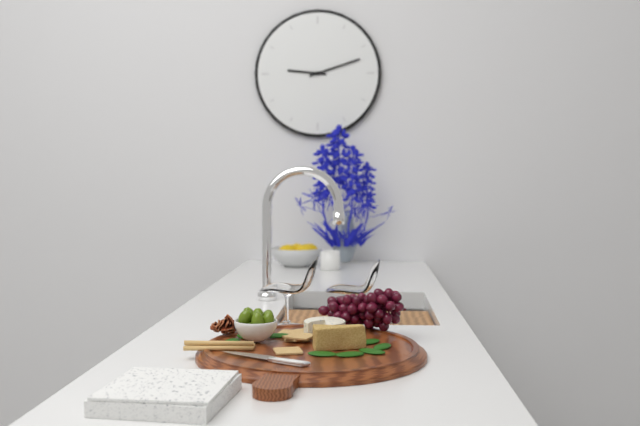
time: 9:12
